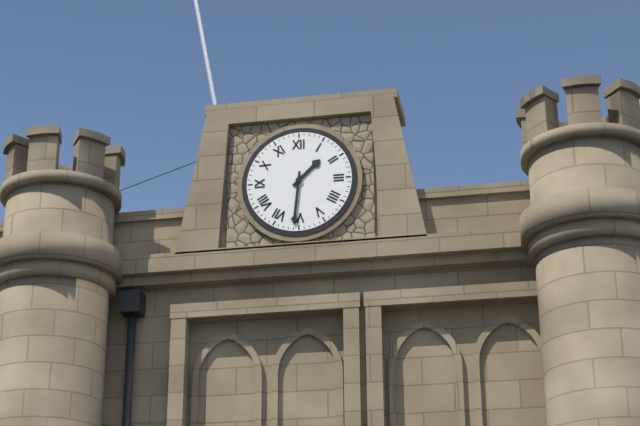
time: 1:31
